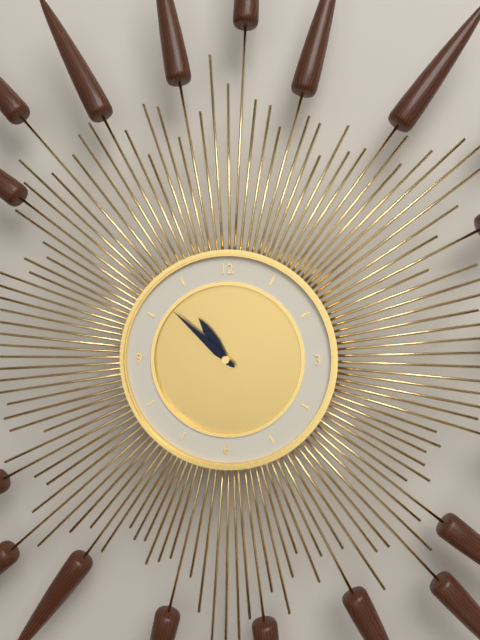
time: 10:52
